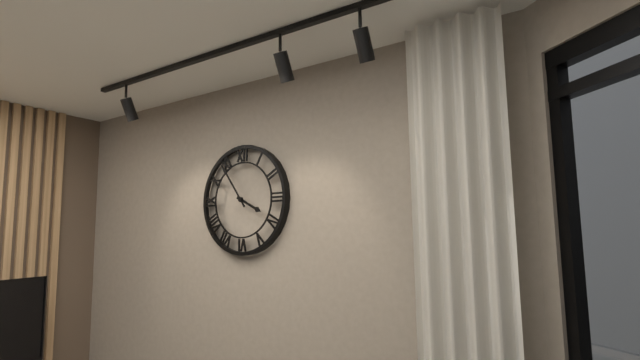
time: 3:54
